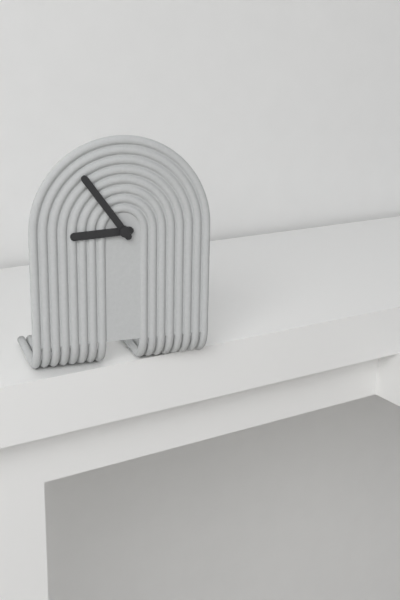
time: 8:54
